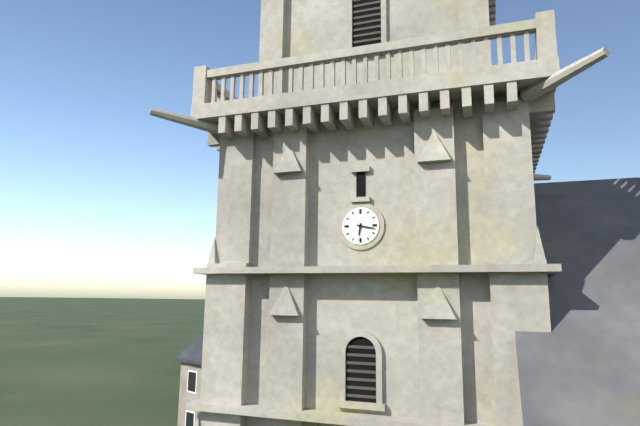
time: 6:17
